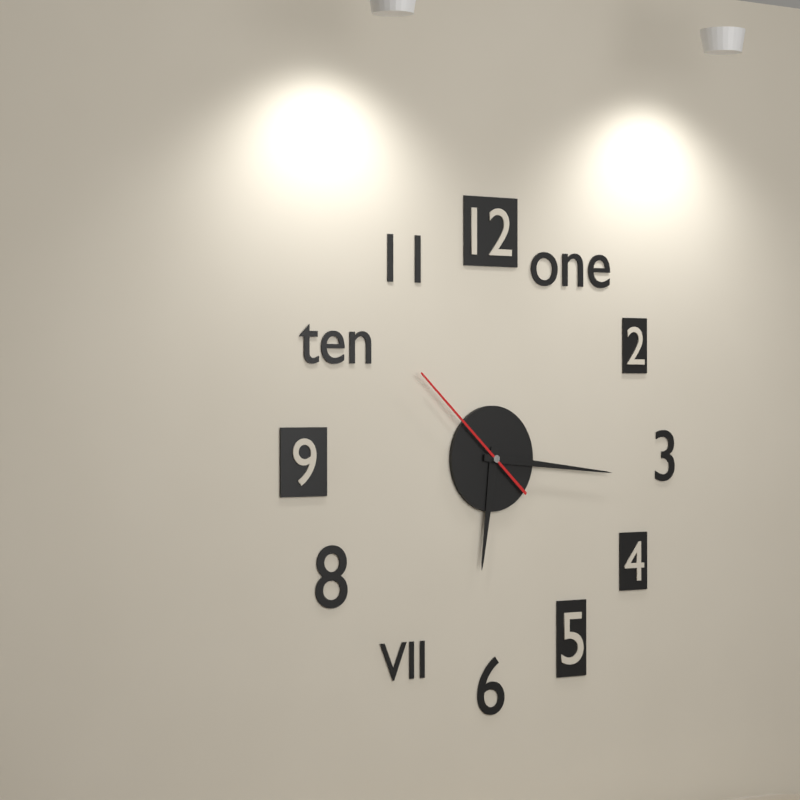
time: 6:16:52
